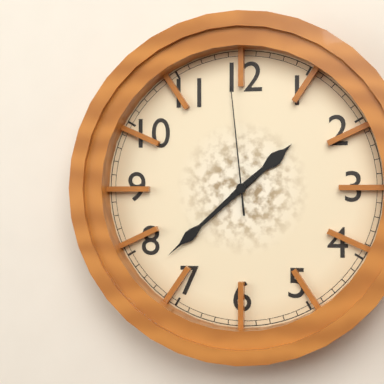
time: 1:38:59
